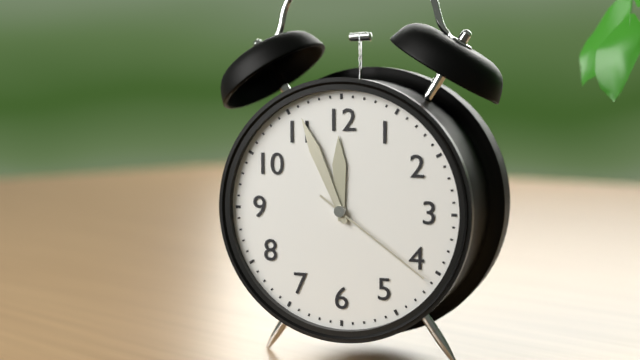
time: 11:56:21
